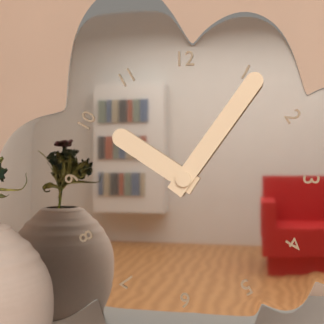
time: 10:06
